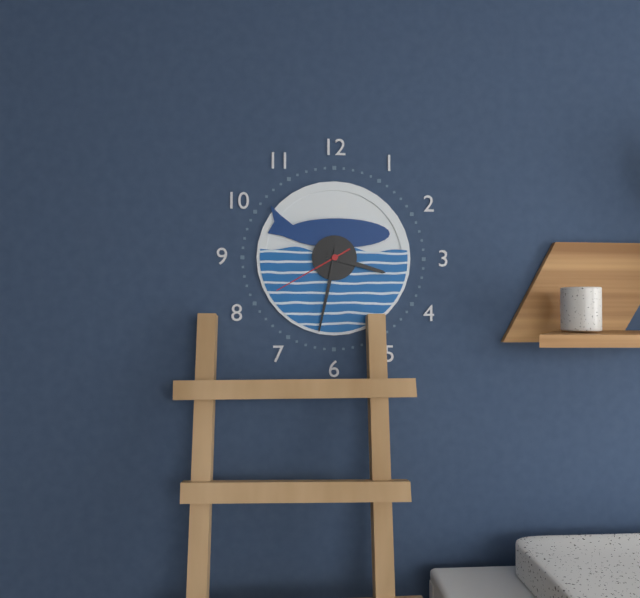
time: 3:32:40
